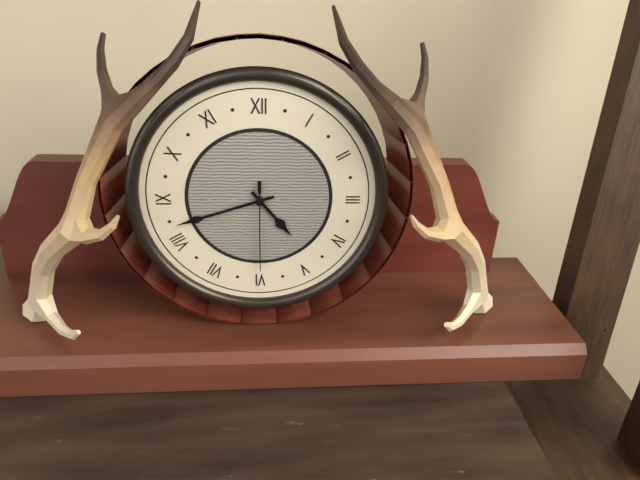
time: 4:42:30
